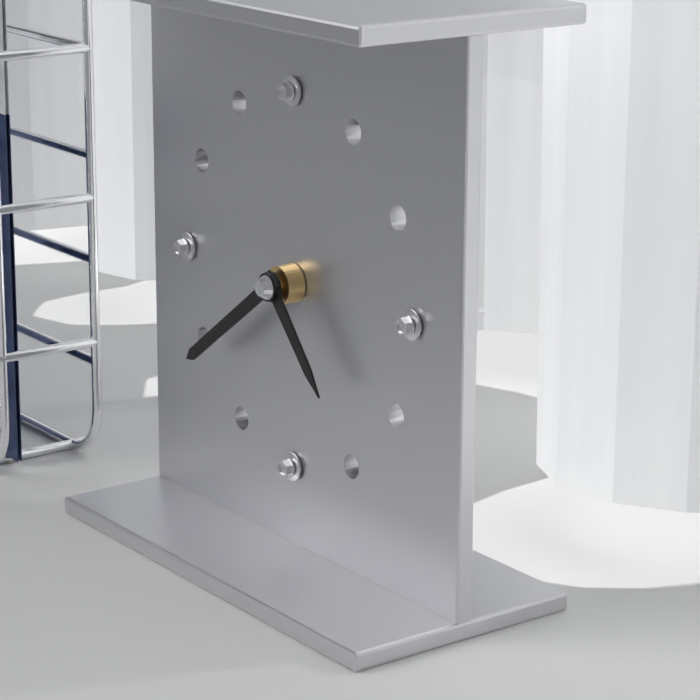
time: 4:39
